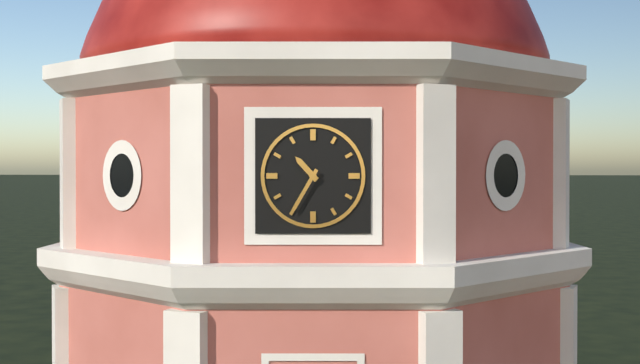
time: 10:35
